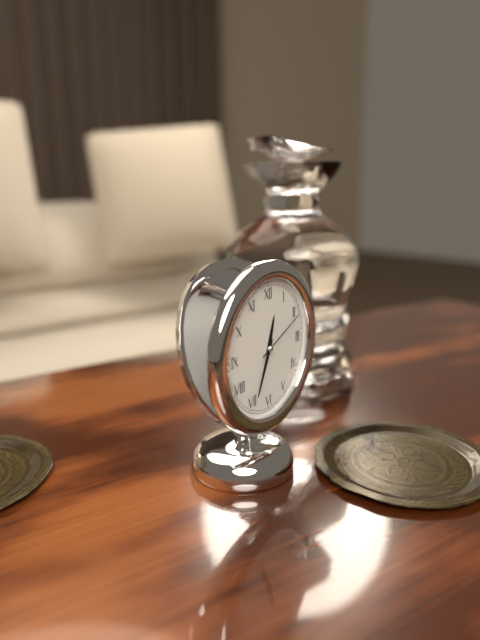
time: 12:34:11
